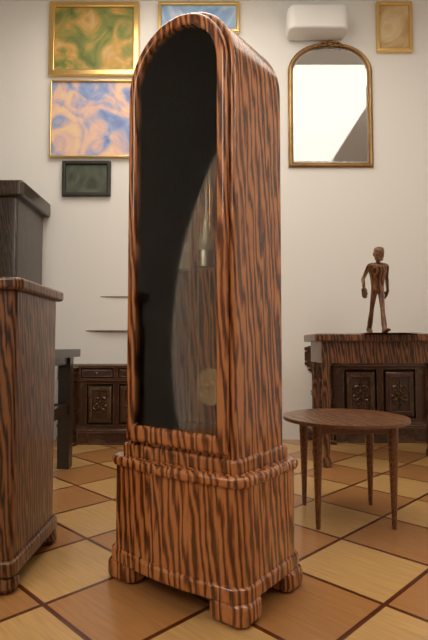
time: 4:03
